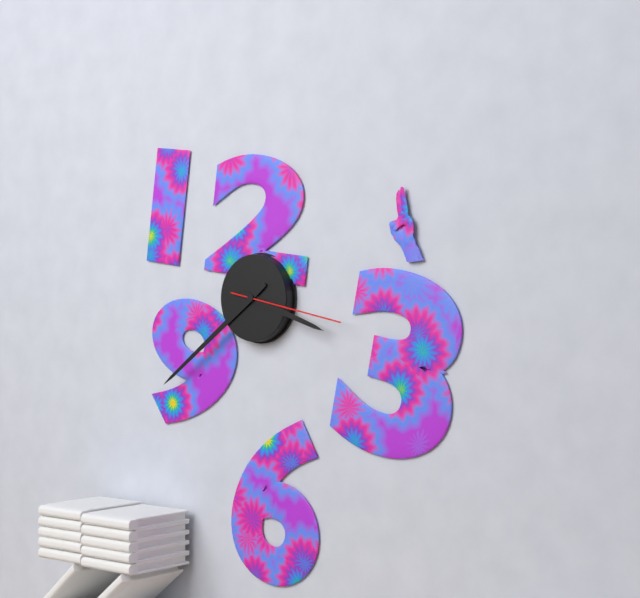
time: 3:39:17
